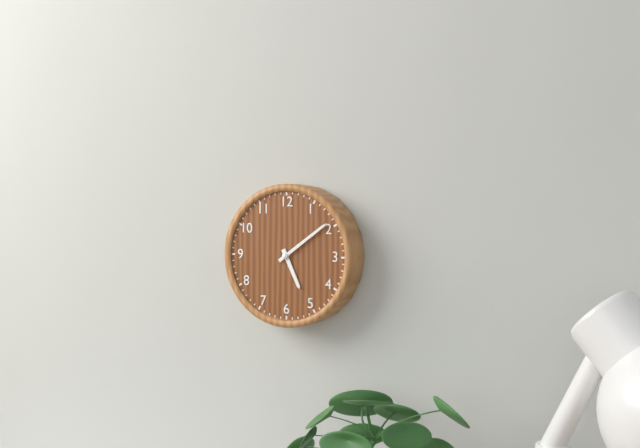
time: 5:09
